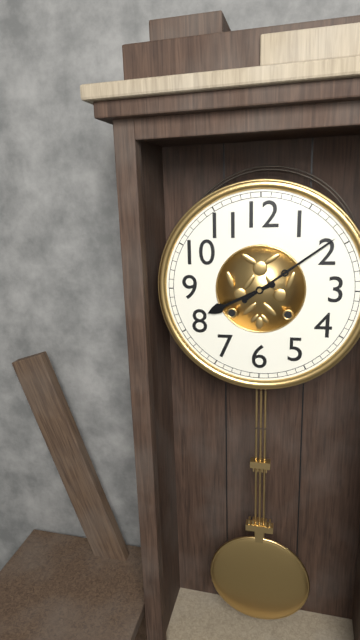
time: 8:09
